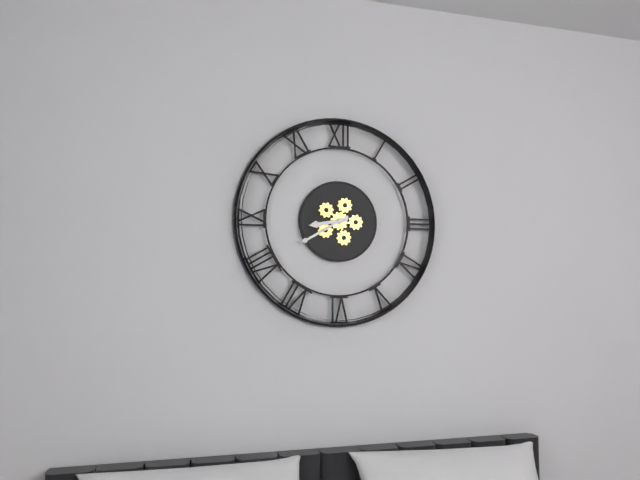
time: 8:40
